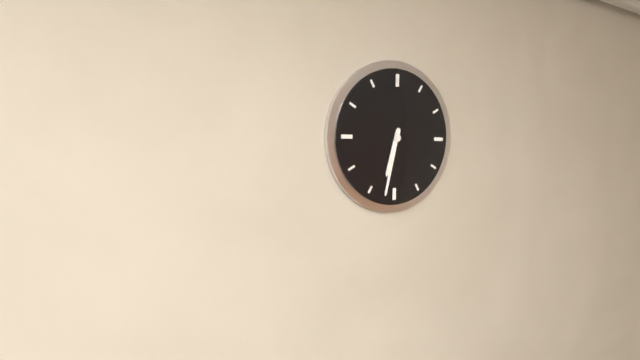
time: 6:32
